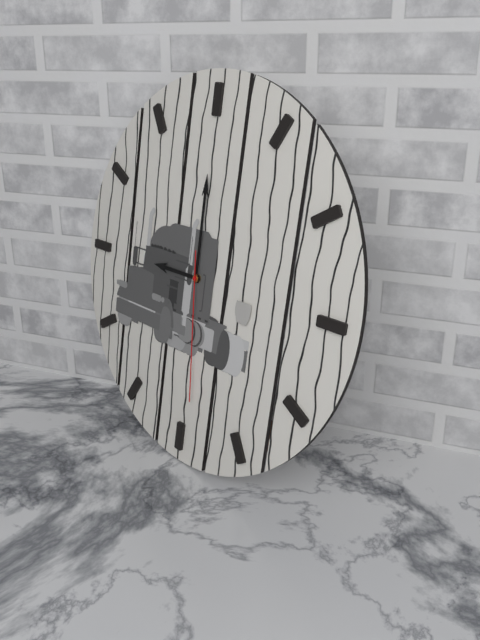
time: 9:00:29
